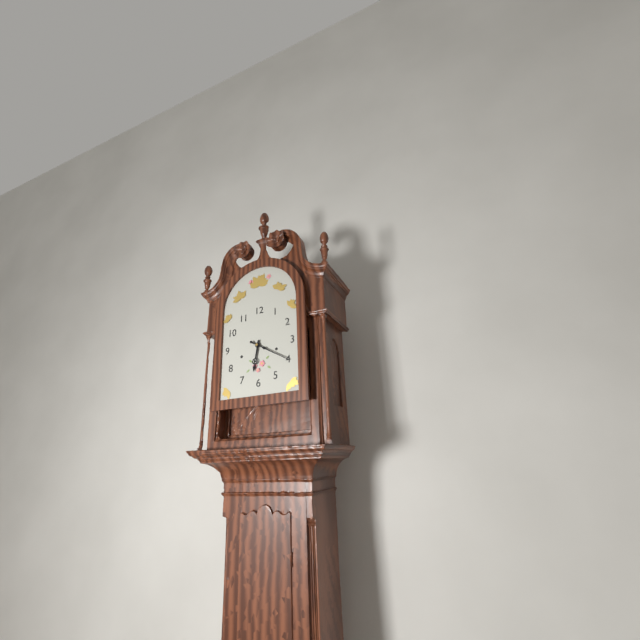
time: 6:20
